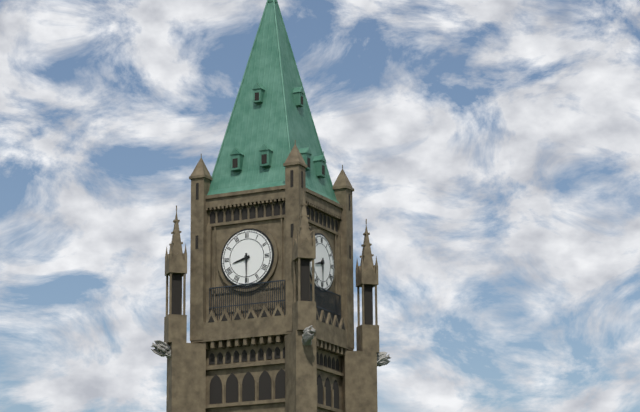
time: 8:30
